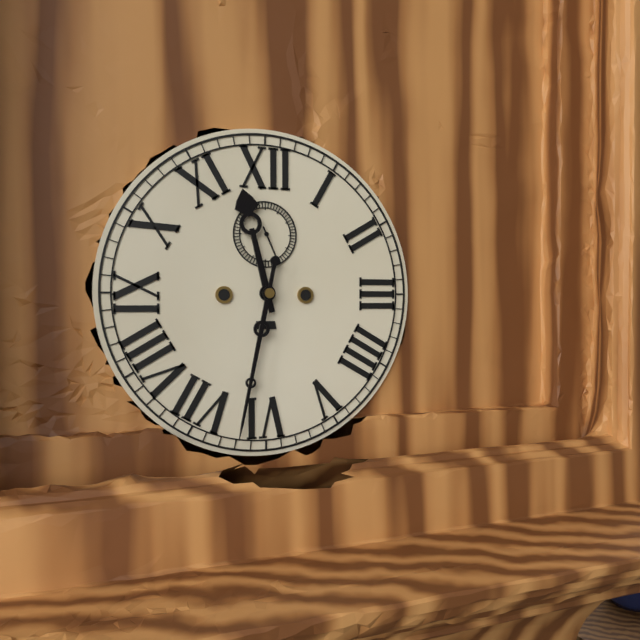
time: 11:32
